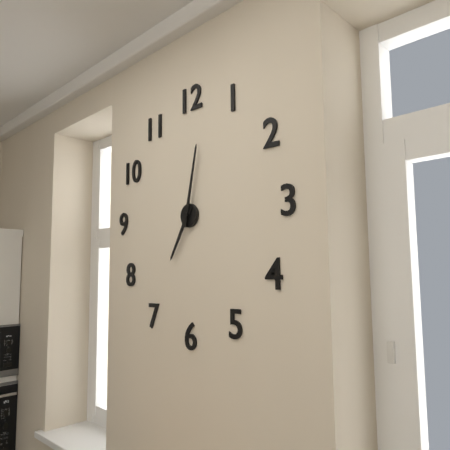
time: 7:02
